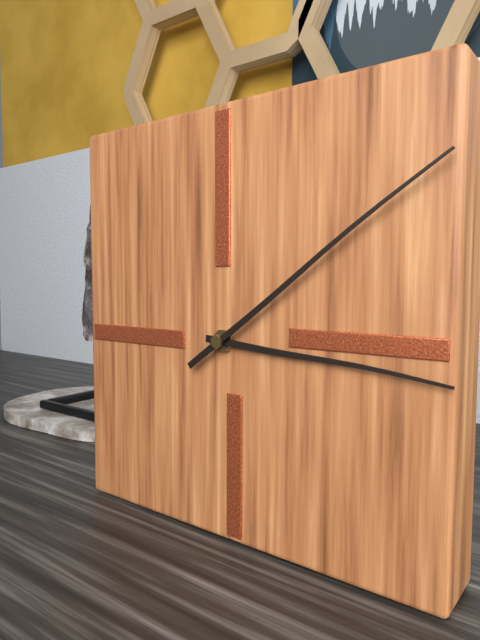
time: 3:09
